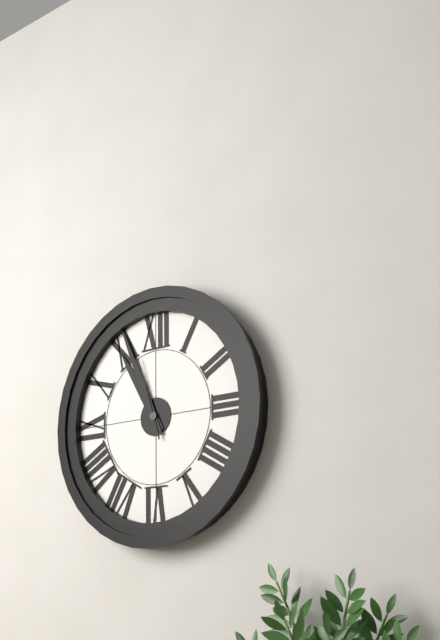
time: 10:56:57
